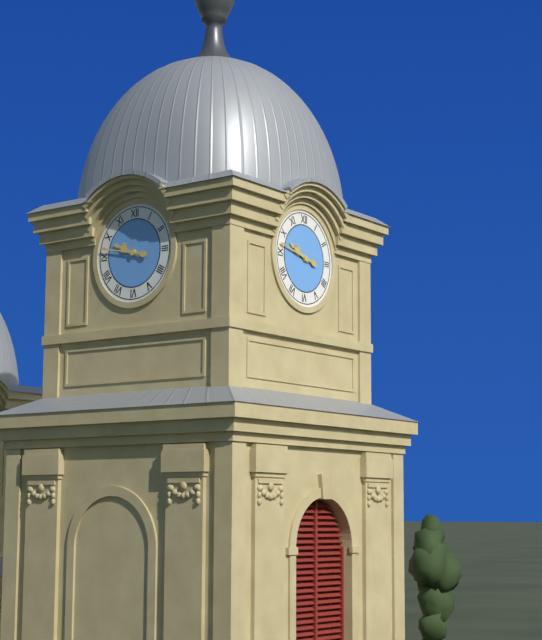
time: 9:47
